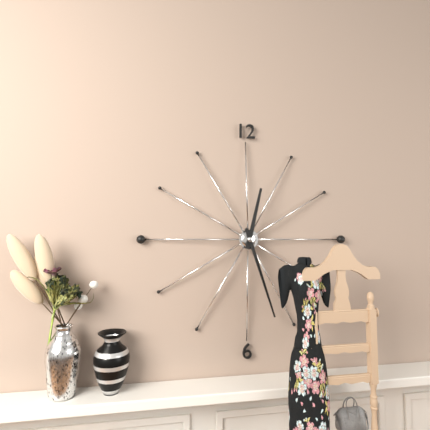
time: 12:27
